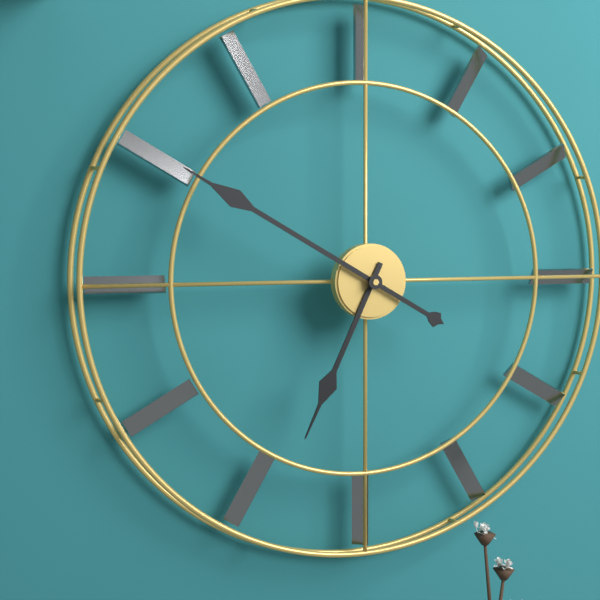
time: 6:50
